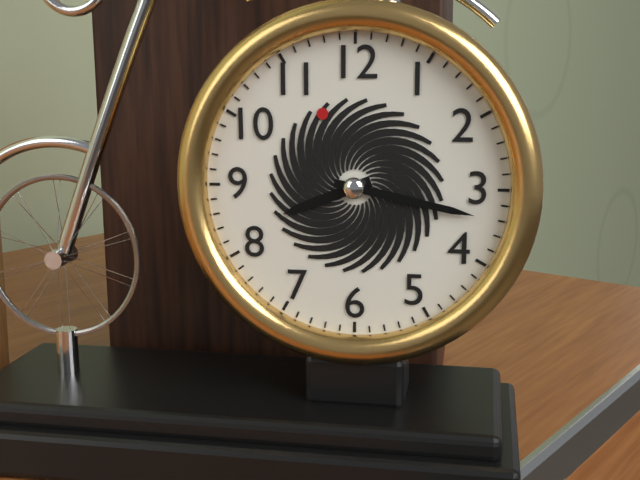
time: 8:17
